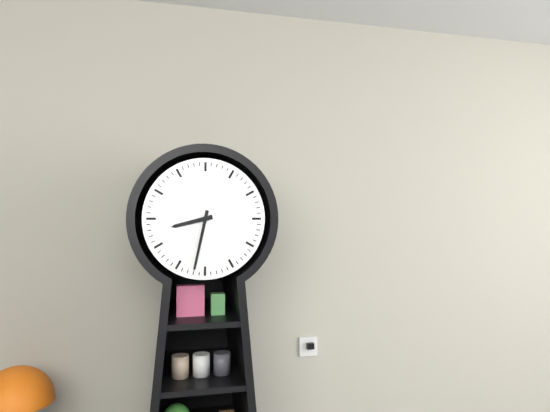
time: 8:32
